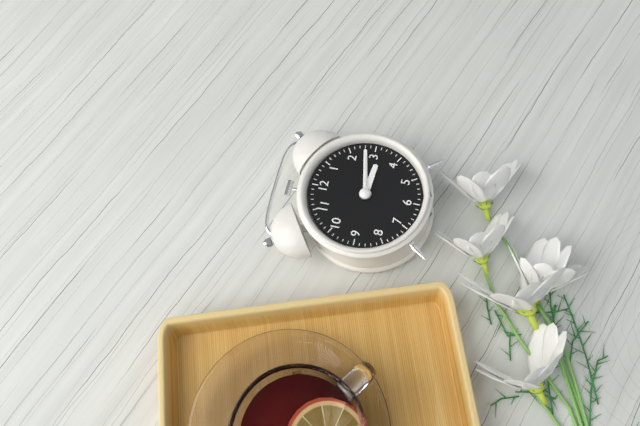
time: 3:13
